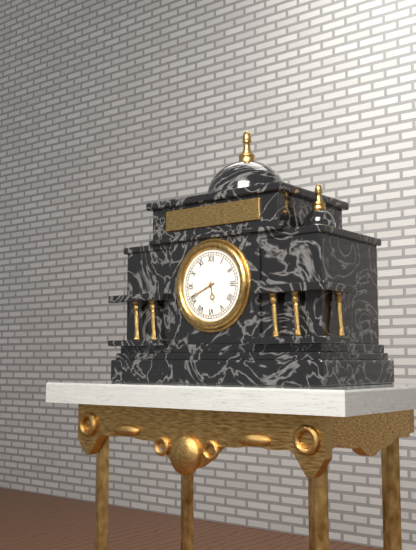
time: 5:41
